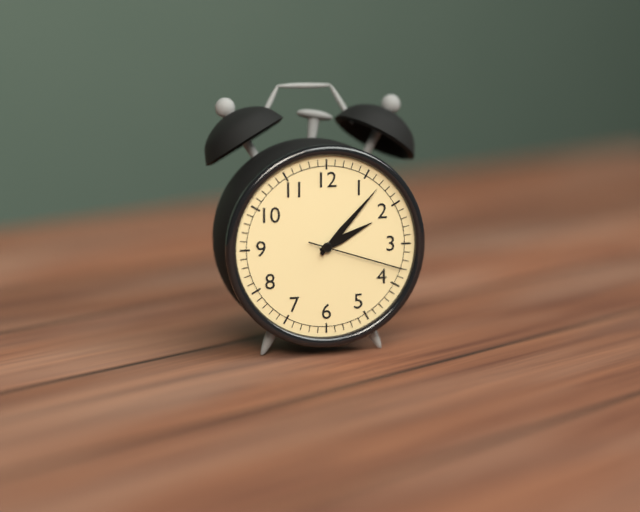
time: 2:07:18
